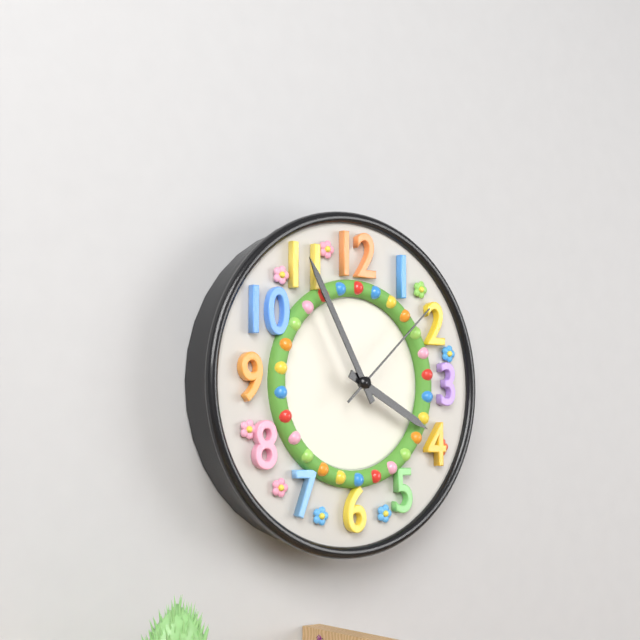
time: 3:55:08
